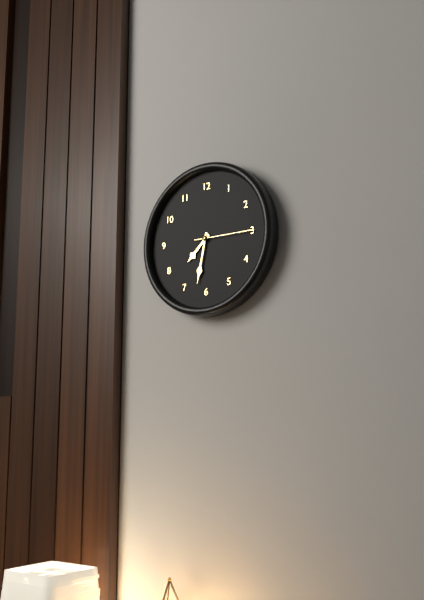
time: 7:32:15
